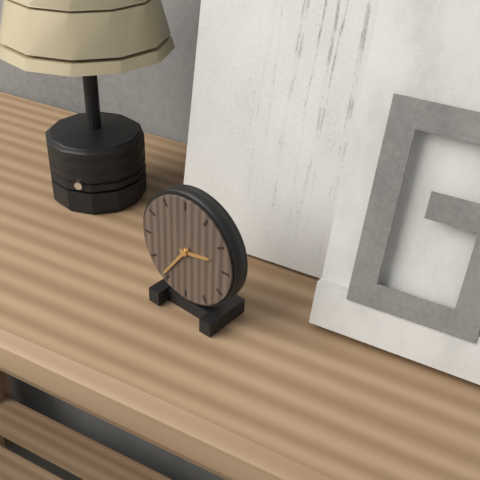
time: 2:36
